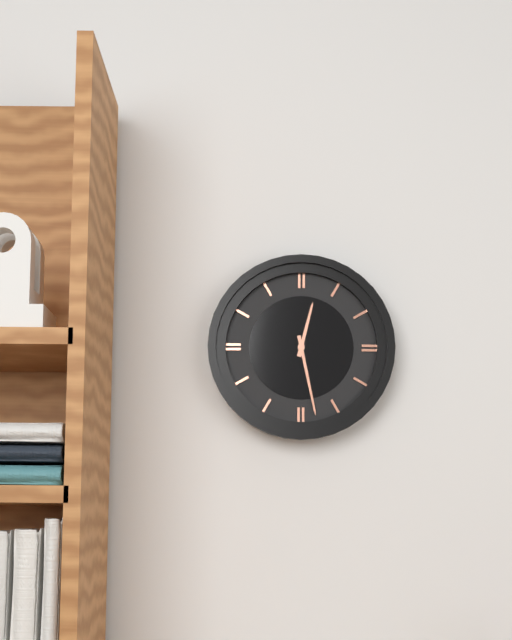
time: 12:28
